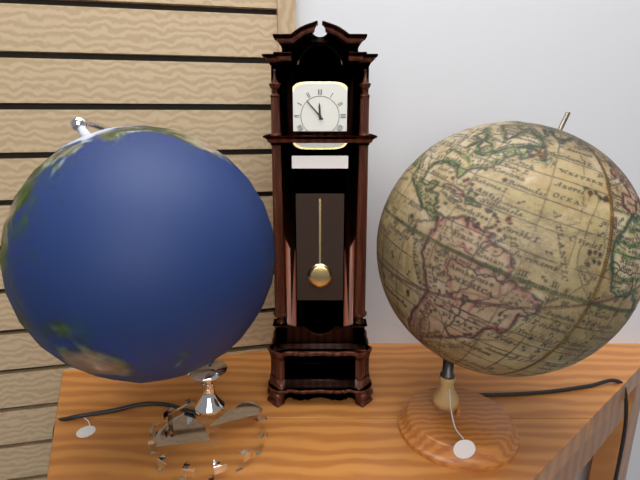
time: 11:53
